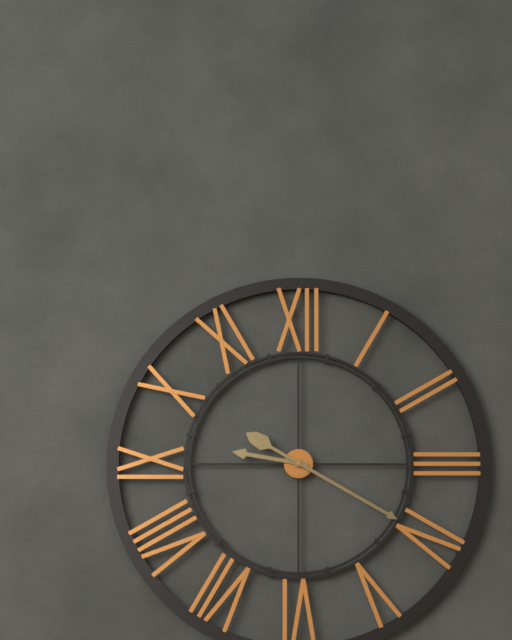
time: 9:20
